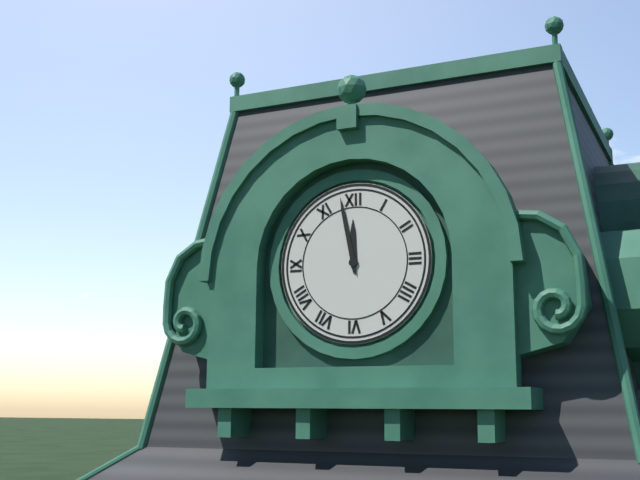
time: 11:58
